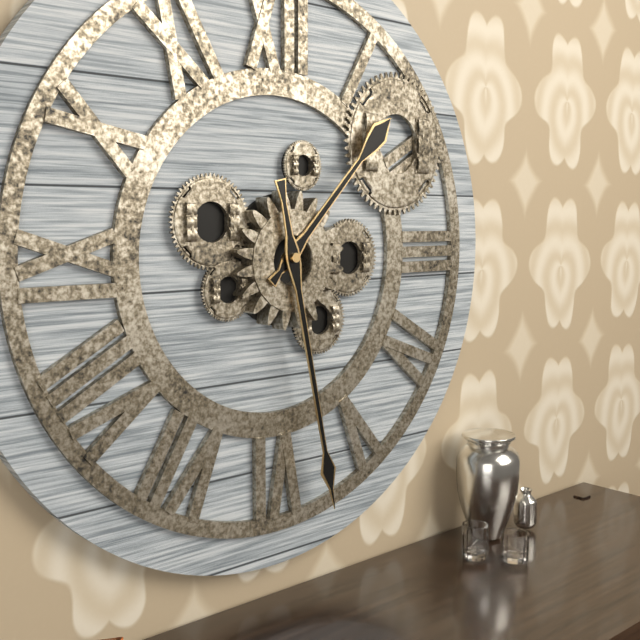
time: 1:28
